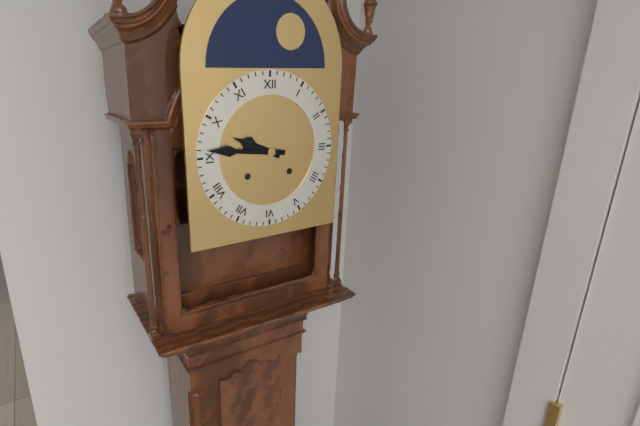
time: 9:46
